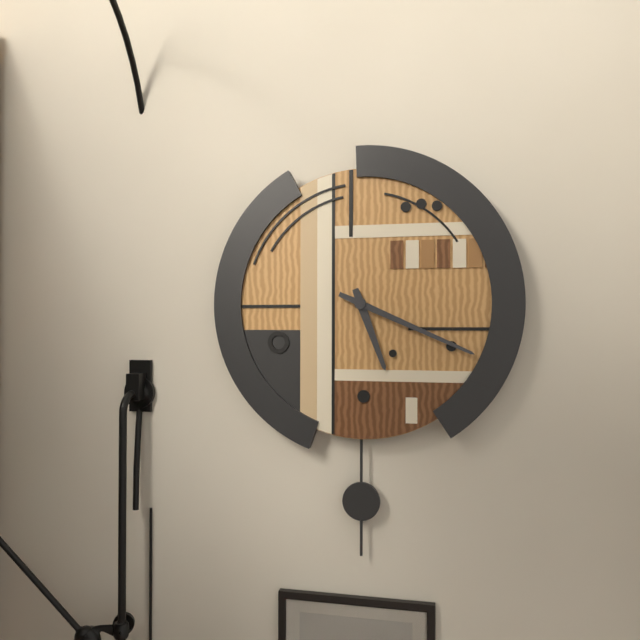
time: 5:19
